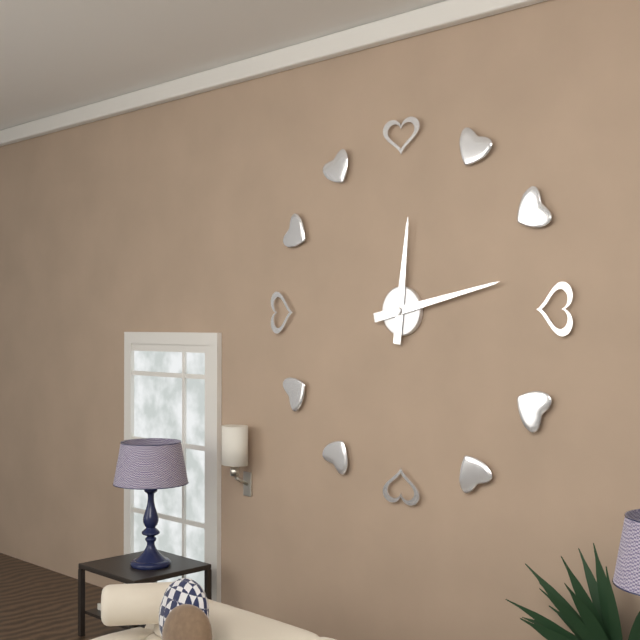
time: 12:13
